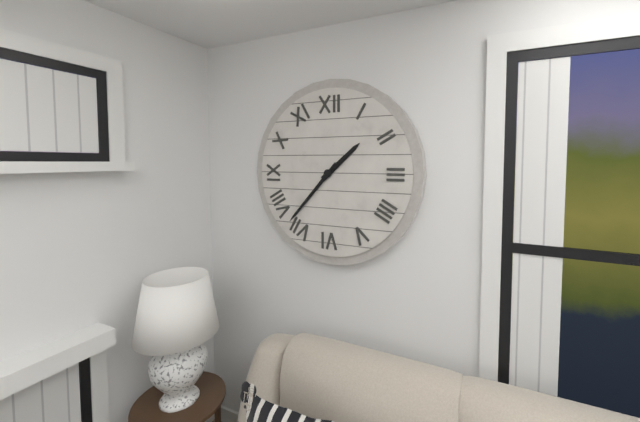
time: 1:37
